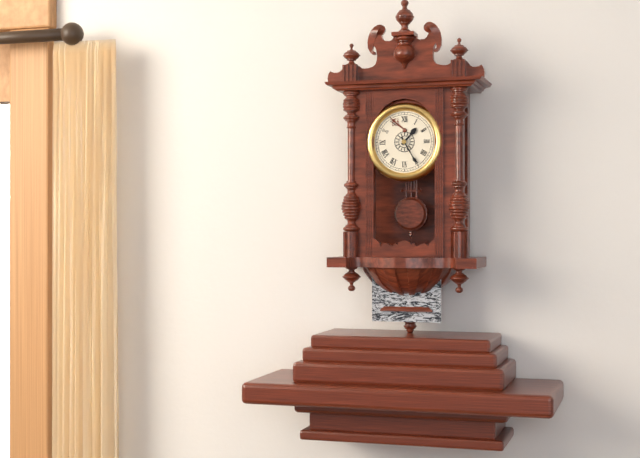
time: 1:25
